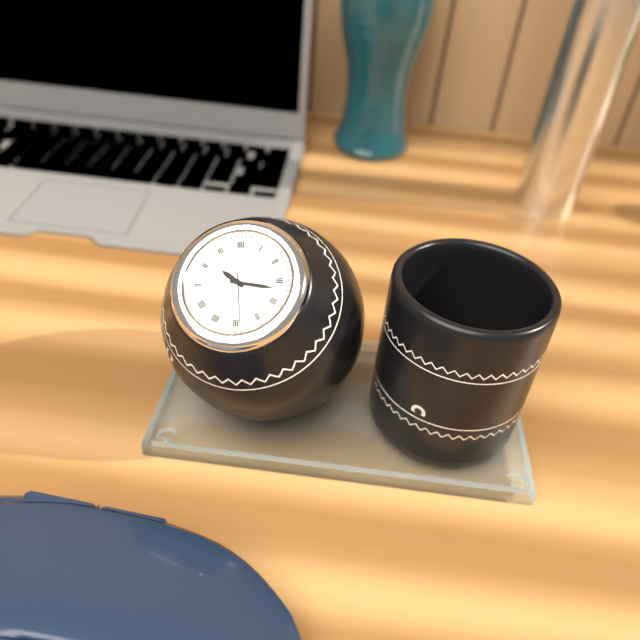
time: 10:17:29
